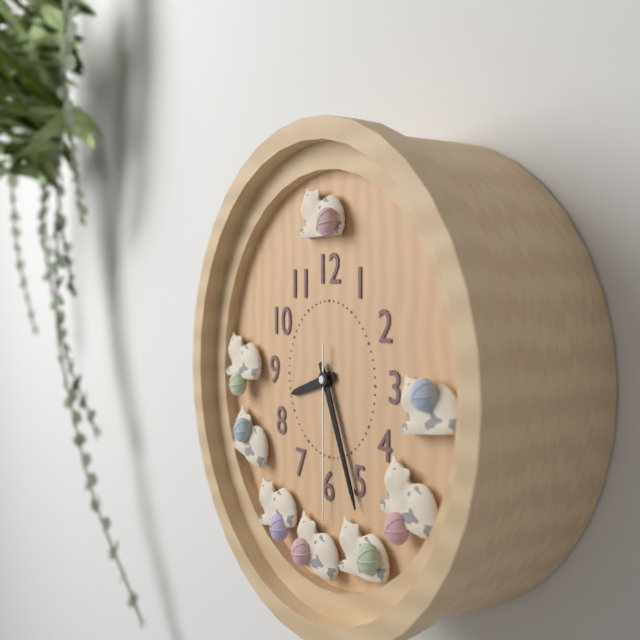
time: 8:26:30
